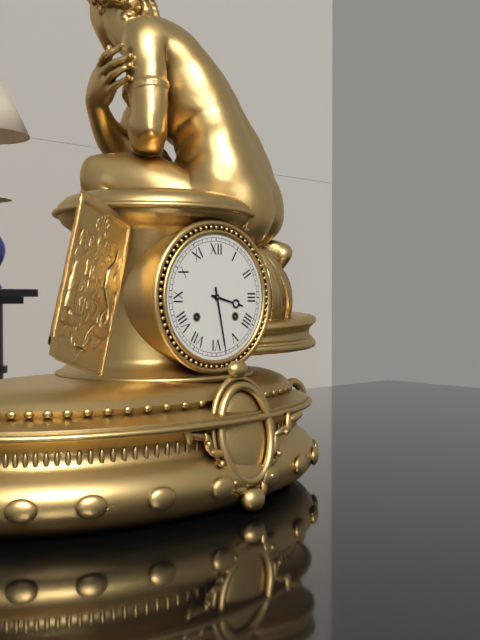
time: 3:28
